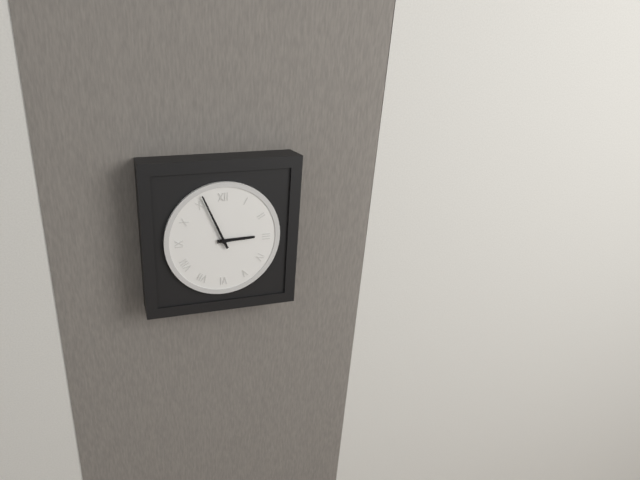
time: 2:56
